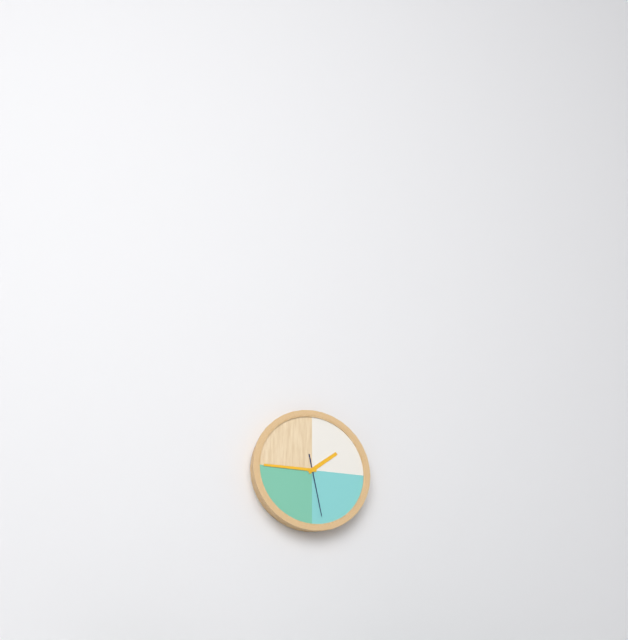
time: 1:45:28
